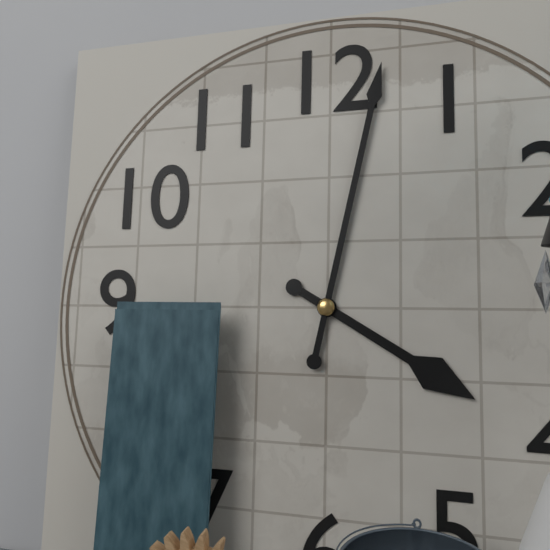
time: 4:02
